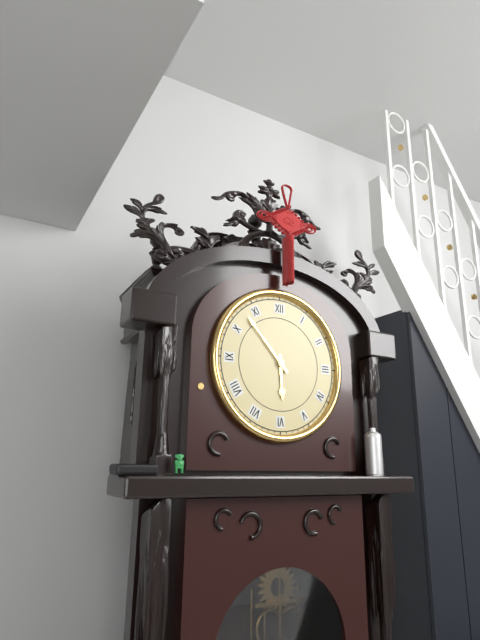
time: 5:53
